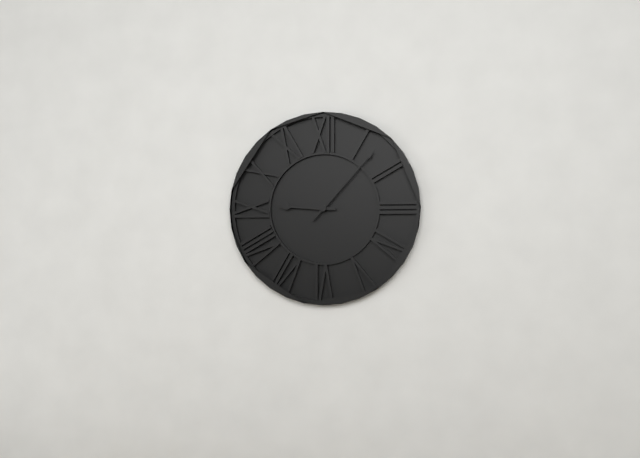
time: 9:07
